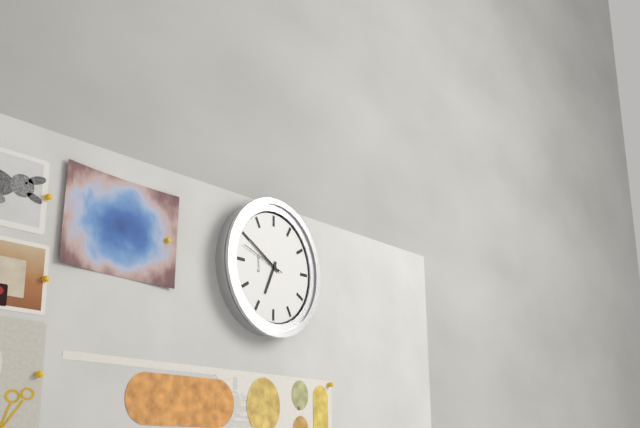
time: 6:50
